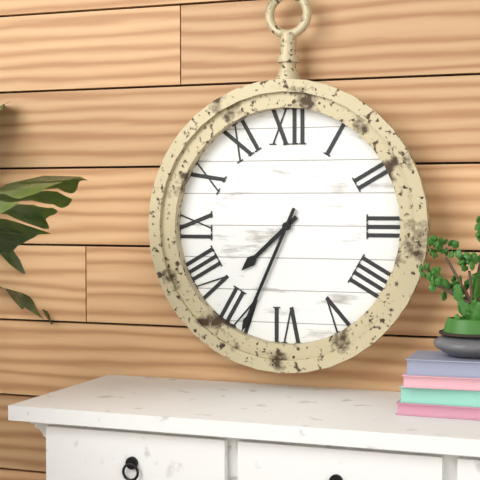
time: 7:34
